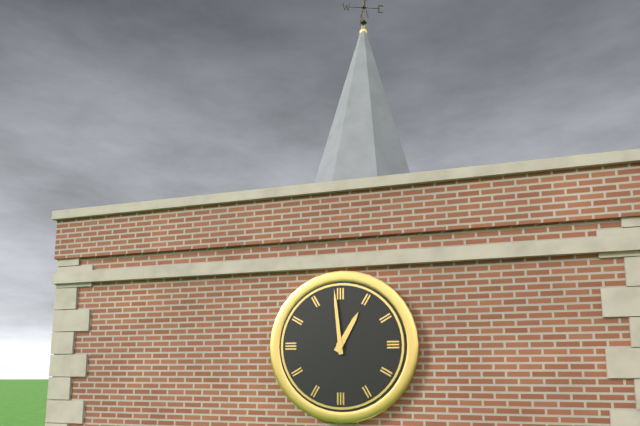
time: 12:59
